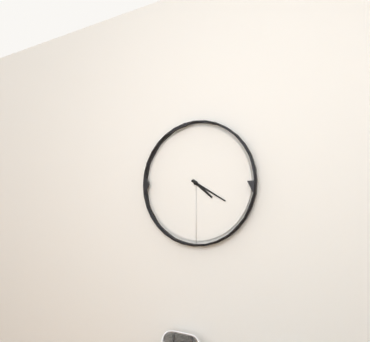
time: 4:20
